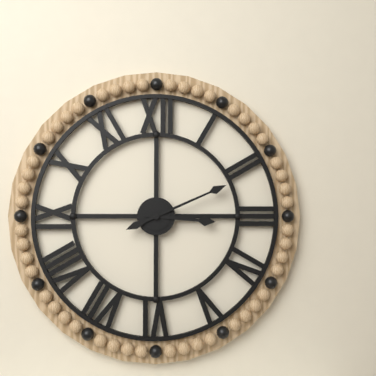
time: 3:11
